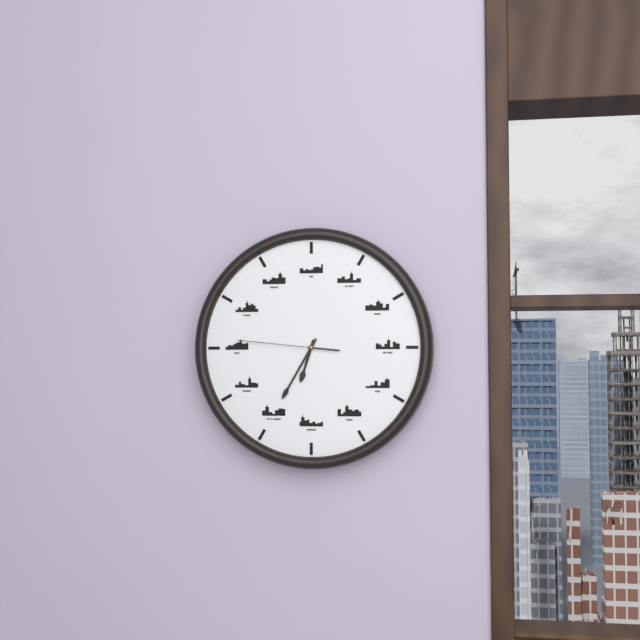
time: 6:35:46
